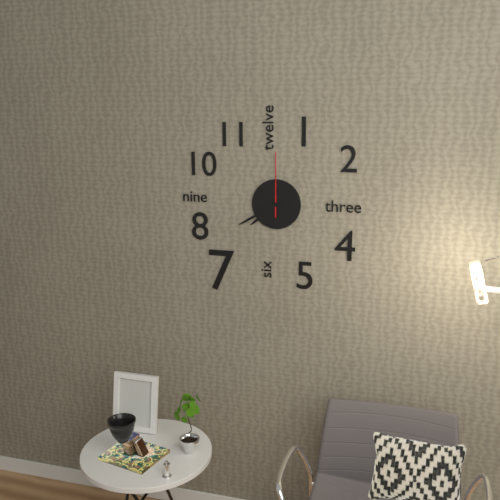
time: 7:40:00
